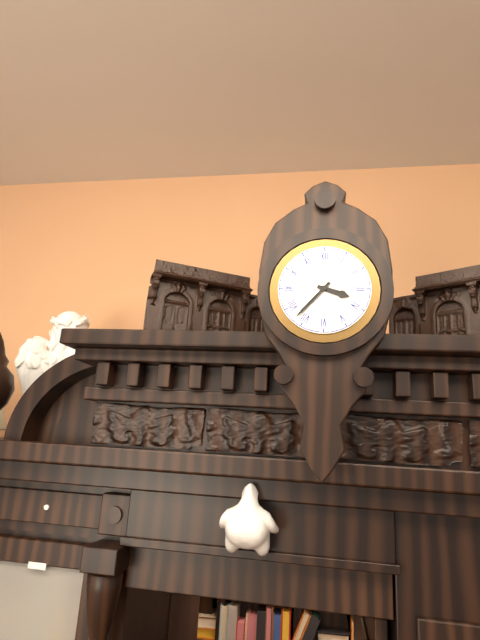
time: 3:37
